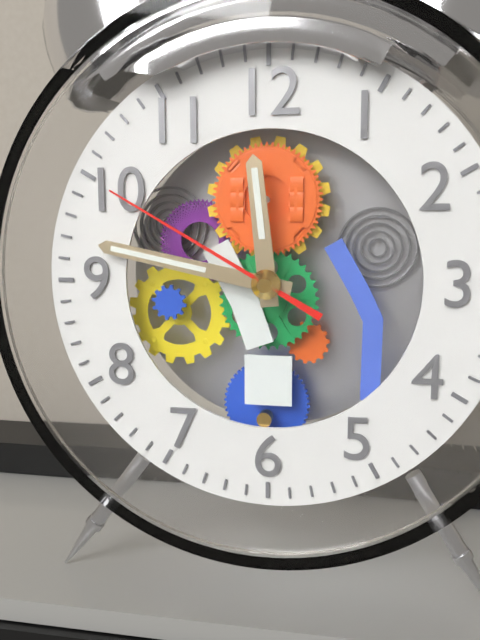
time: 11:47:50
